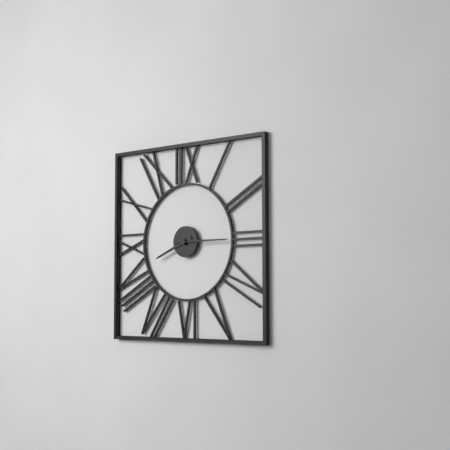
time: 8:15
